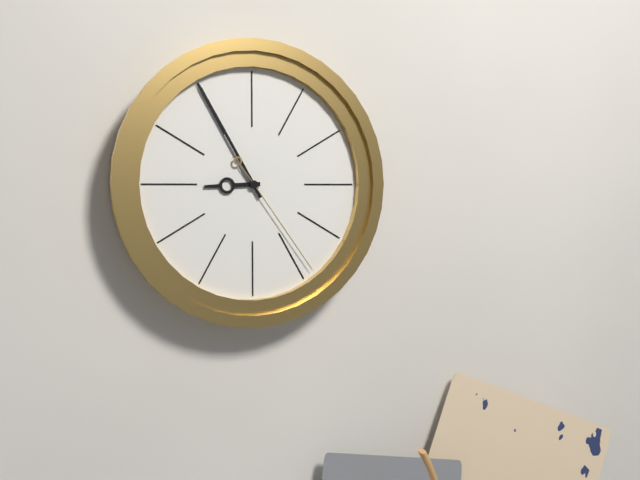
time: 8:55:24
